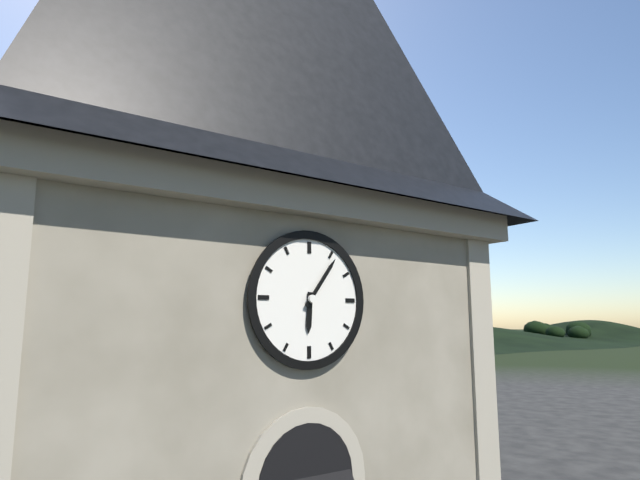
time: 6:06
